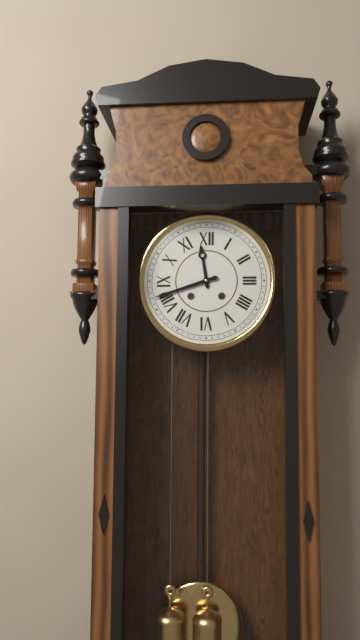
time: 11:42
